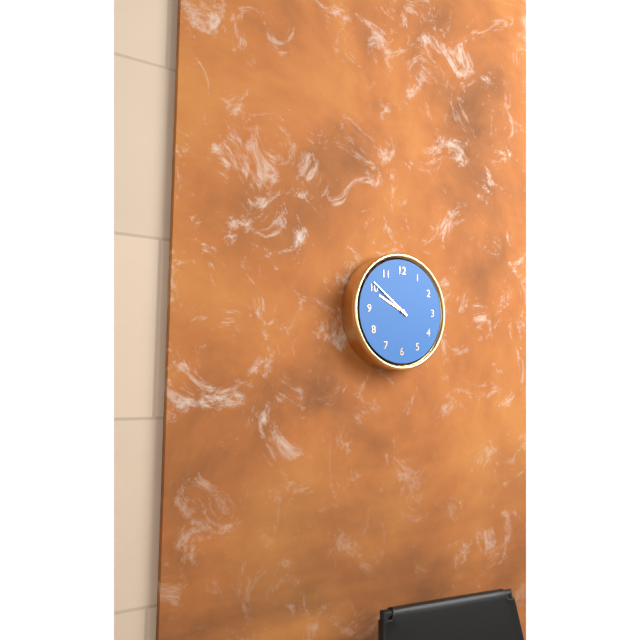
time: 9:51
